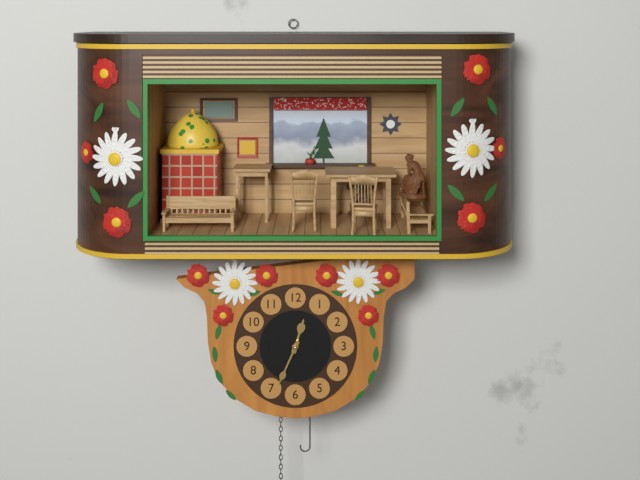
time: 12:34
